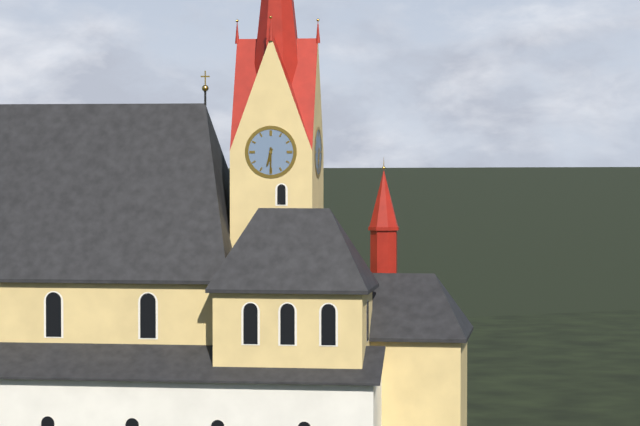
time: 6:30
